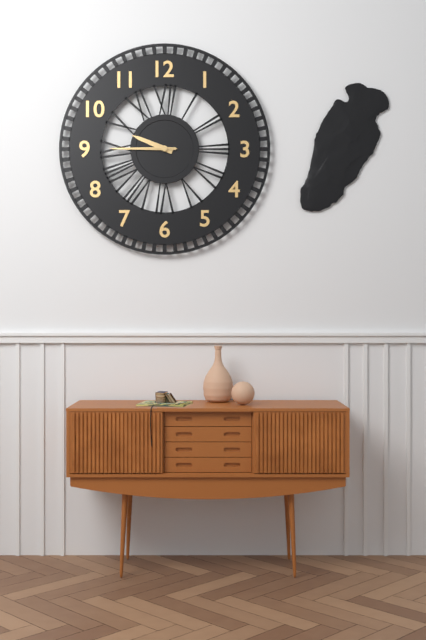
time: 9:45:45
